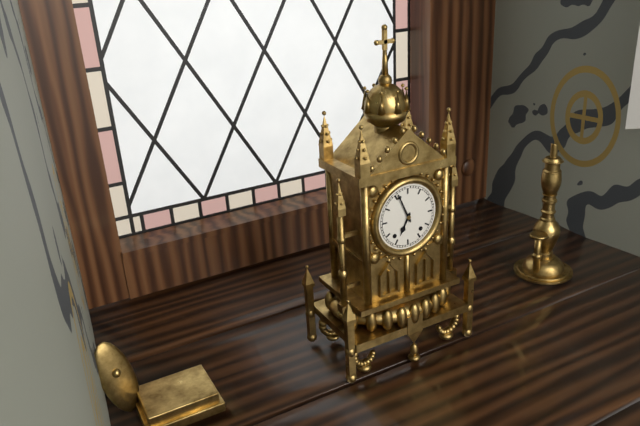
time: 6:56
